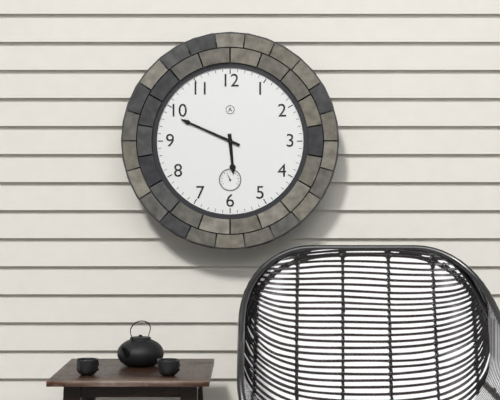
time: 5:49
